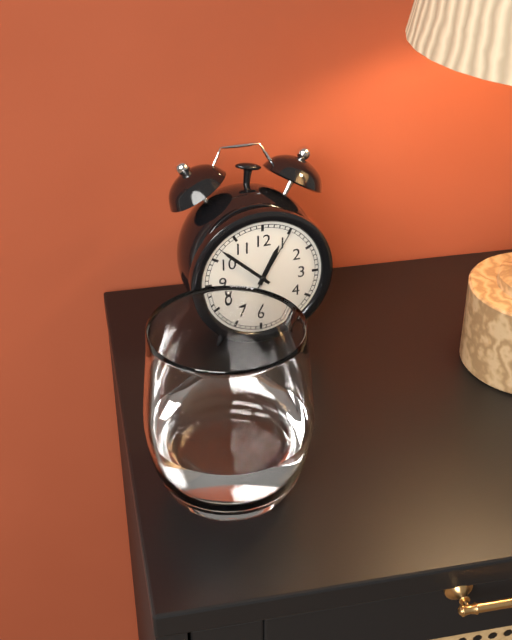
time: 12:52:05
